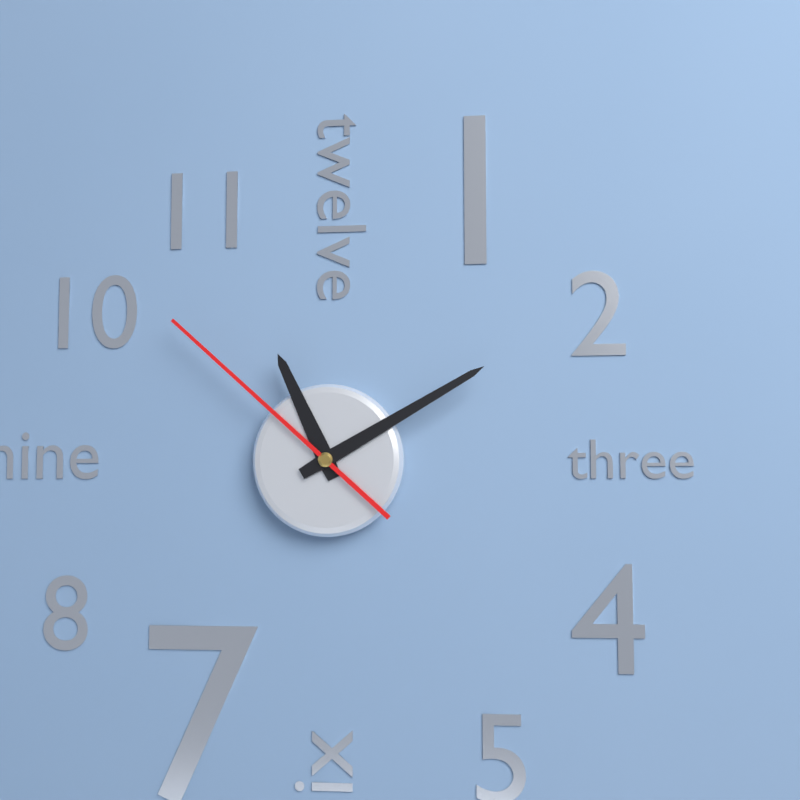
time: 11:10:52
